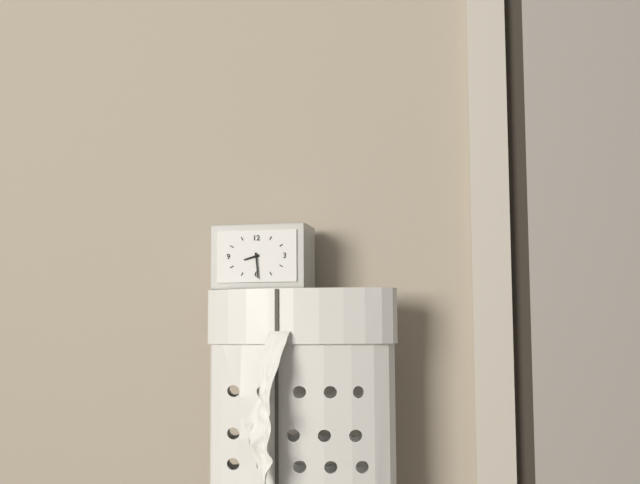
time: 8:29
